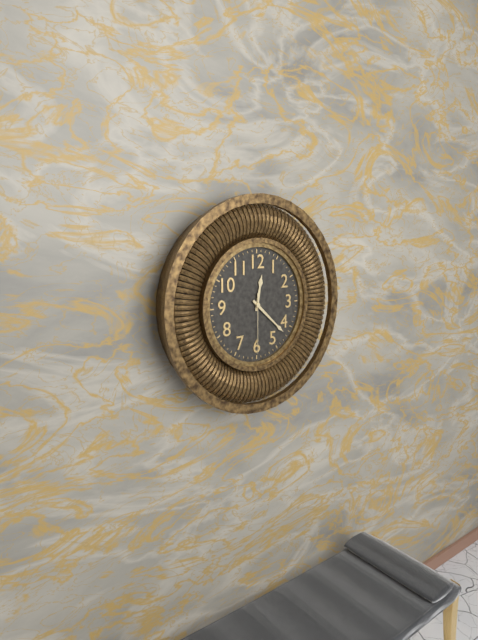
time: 12:22:30
